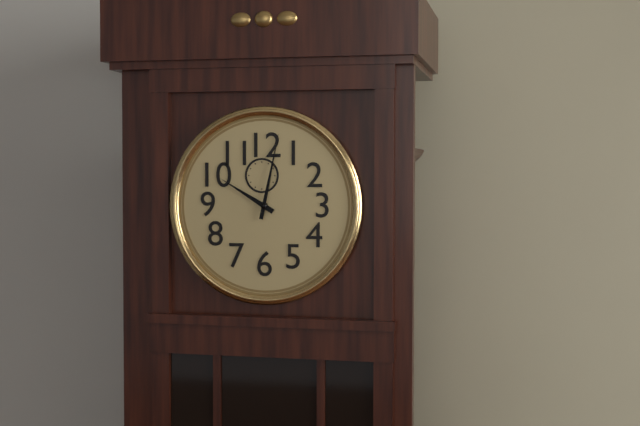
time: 10:02
